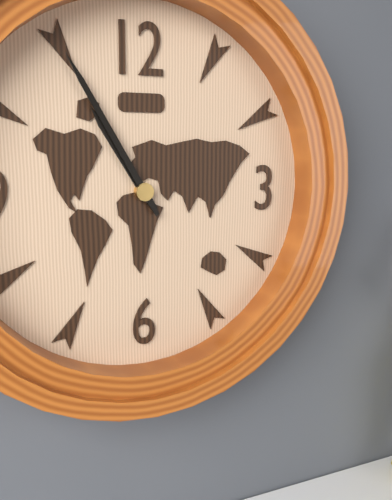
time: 10:55
